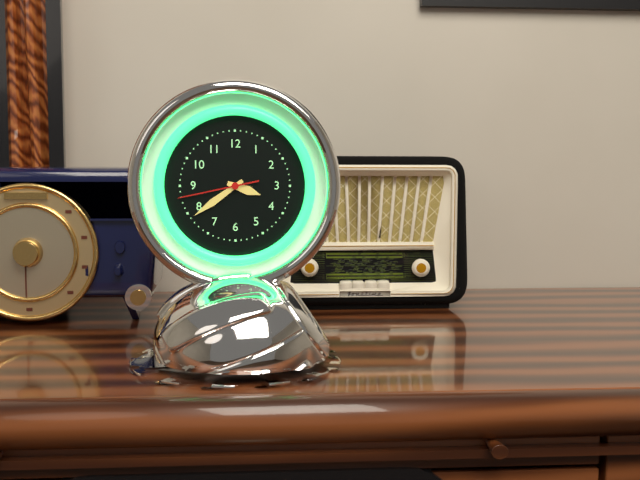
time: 3:39:43
